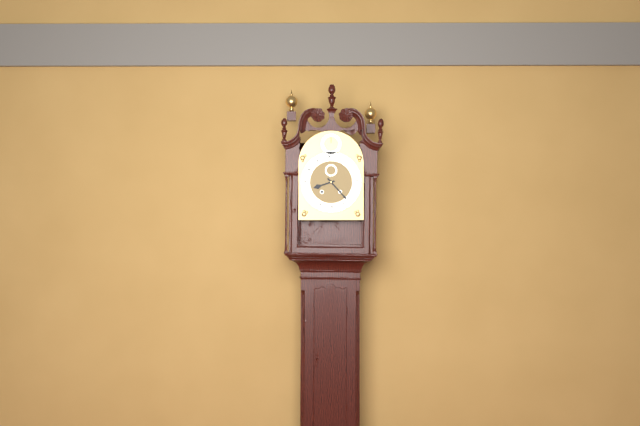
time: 8:23
